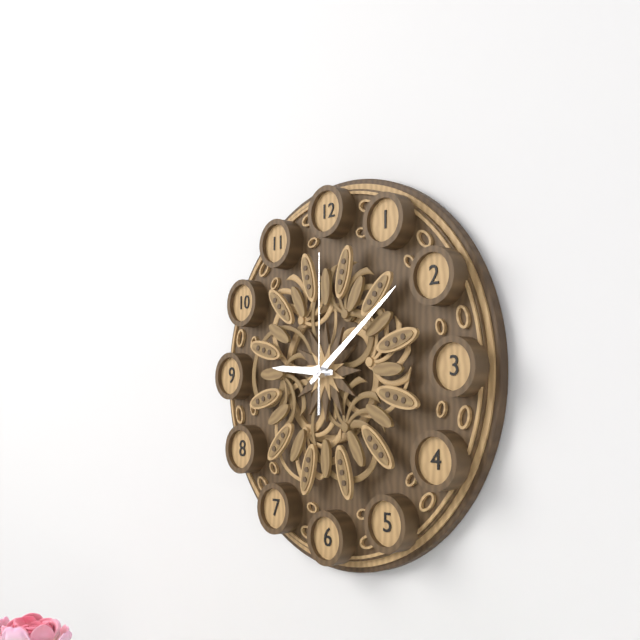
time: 9:09:00
